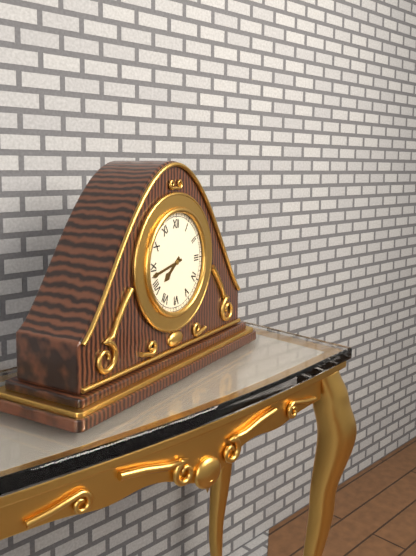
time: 7:43
